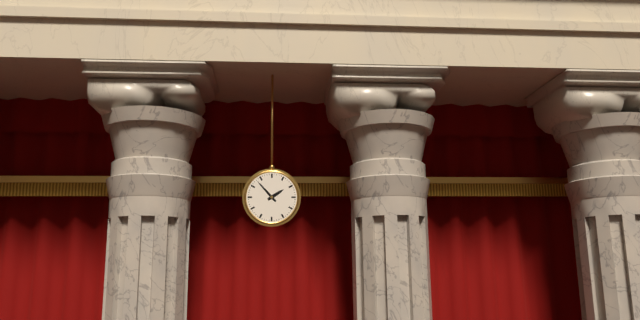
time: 1:53
